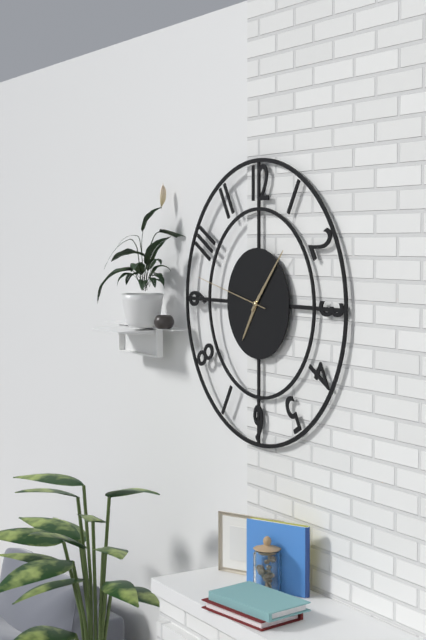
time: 7:07:47
